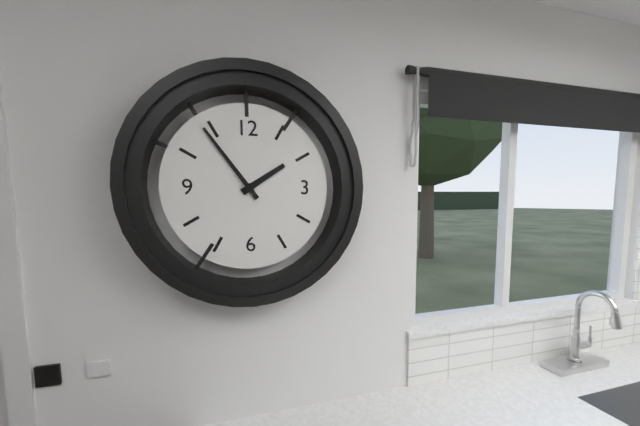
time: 1:54
